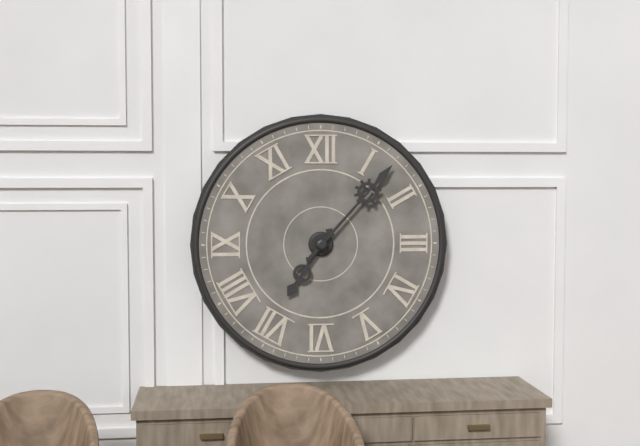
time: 7:07
